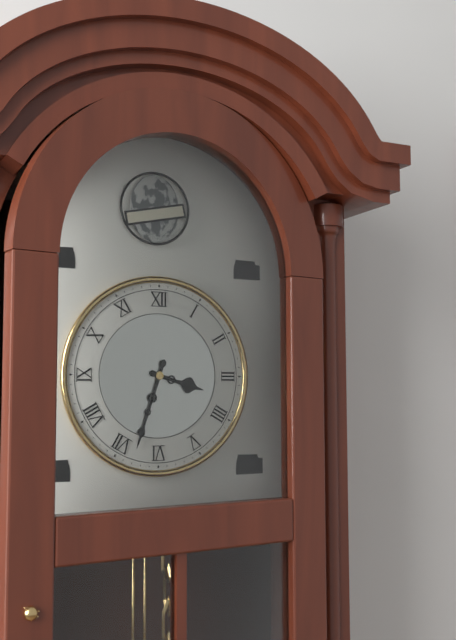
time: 3:33
